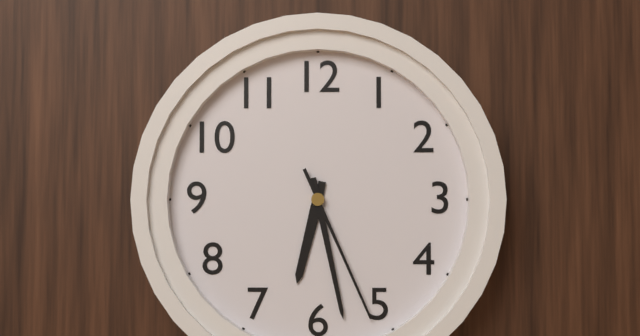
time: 6:28:26
